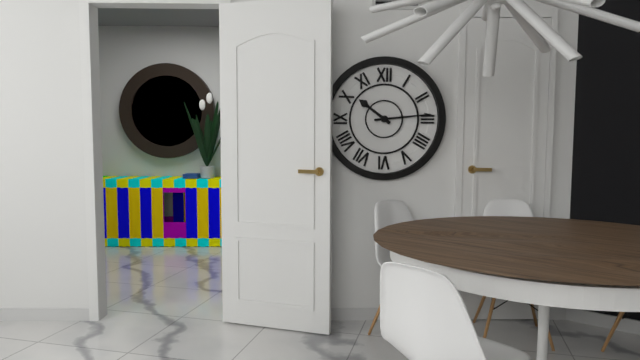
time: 10:14
